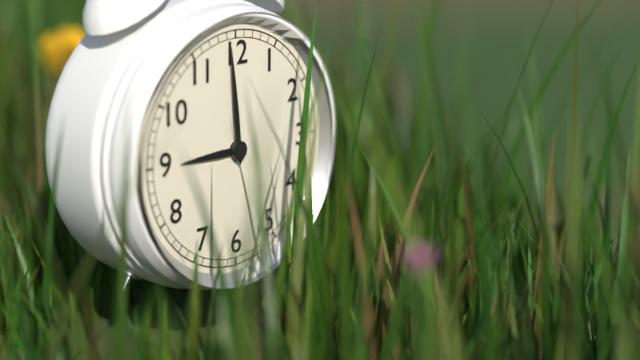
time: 8:59
